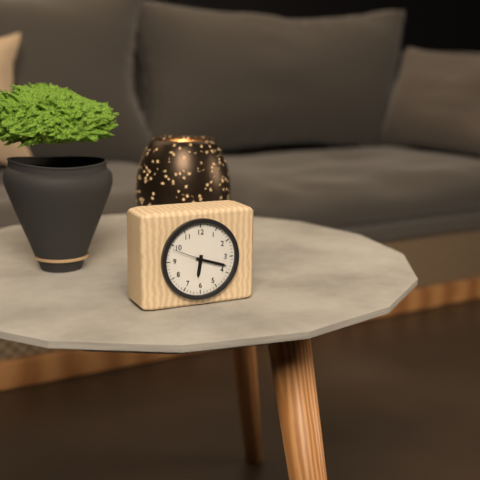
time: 6:18
